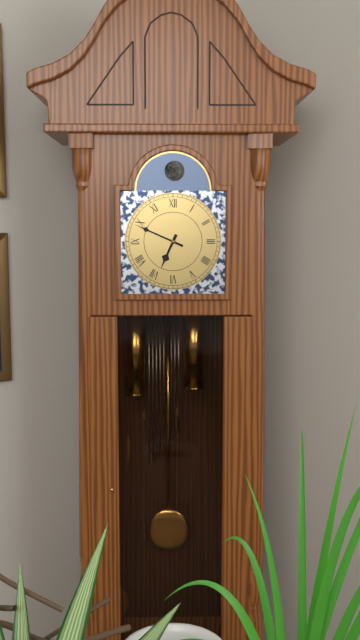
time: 6:49
